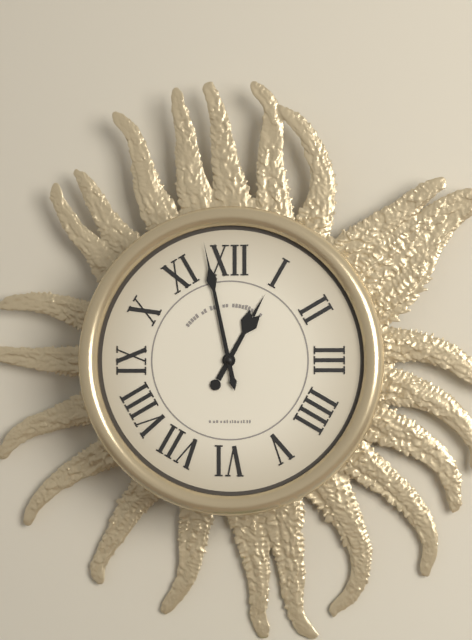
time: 12:58
